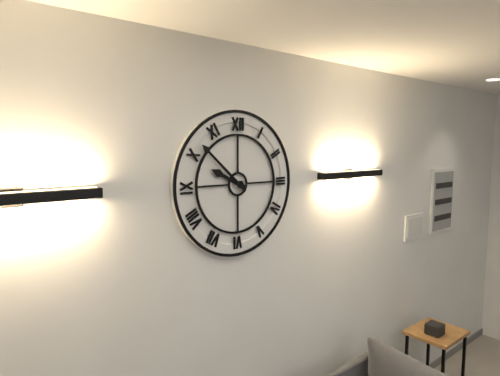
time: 9:52
